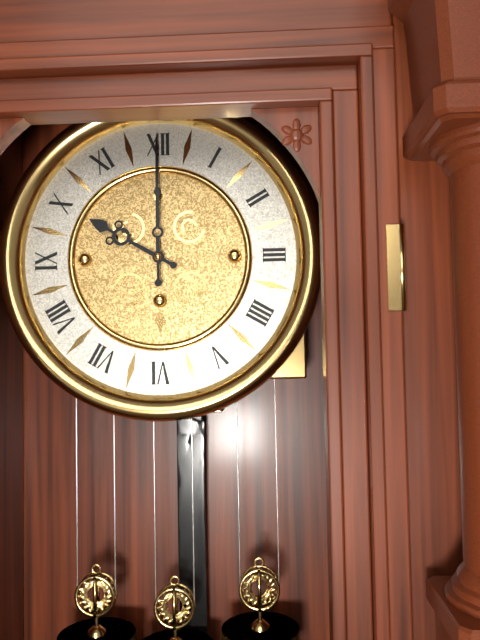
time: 10:00
